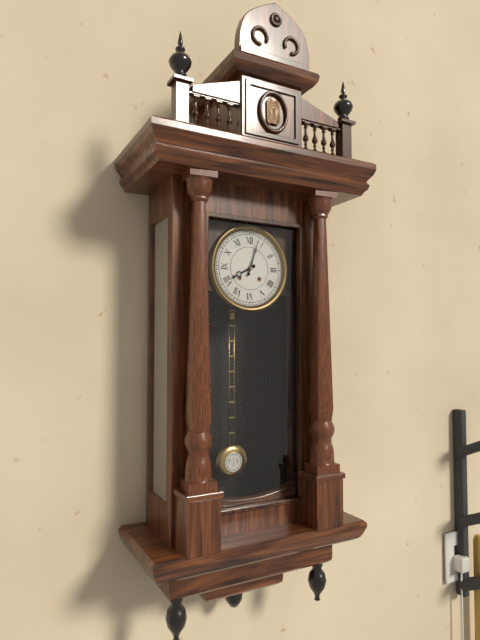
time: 8:03
